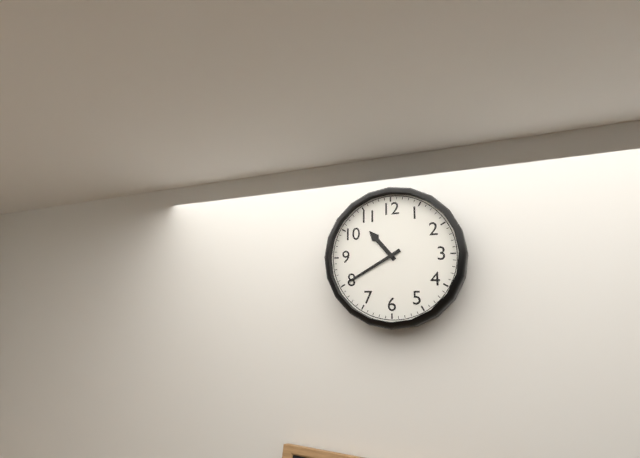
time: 10:40
